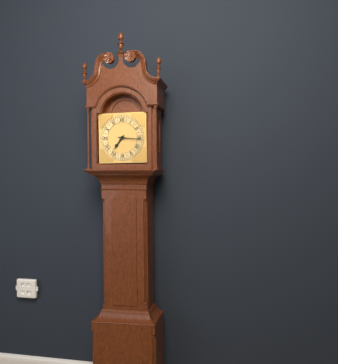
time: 7:16
